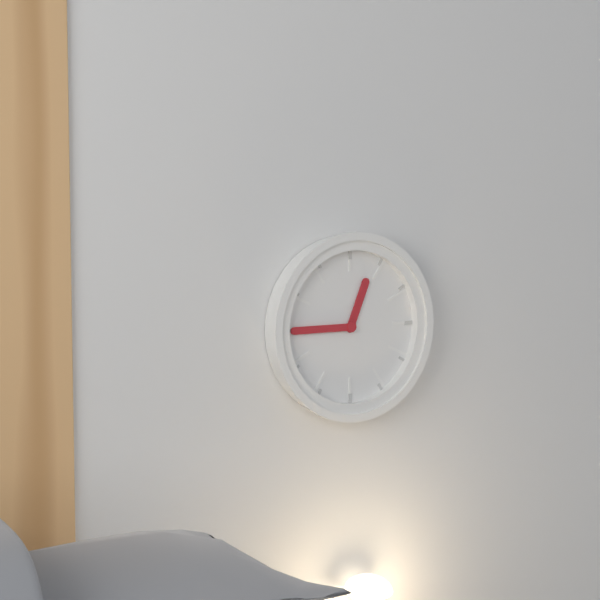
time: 12:45
